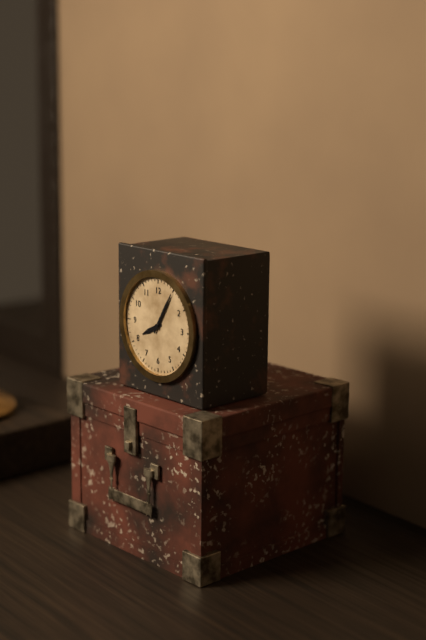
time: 8:05
